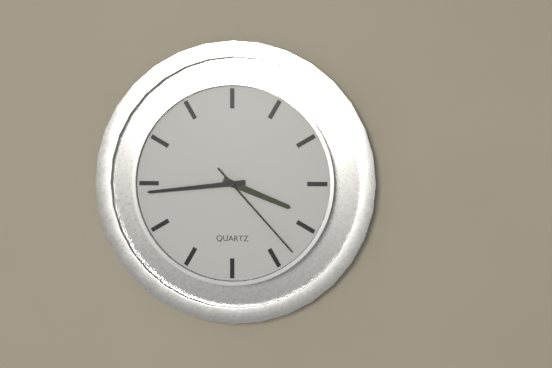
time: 3:44:23
